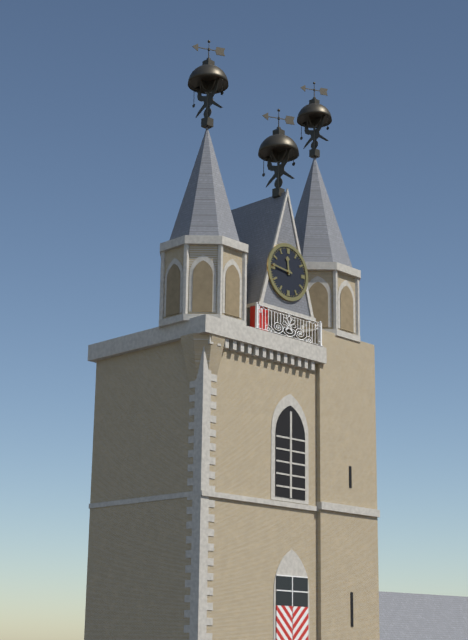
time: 11:46
